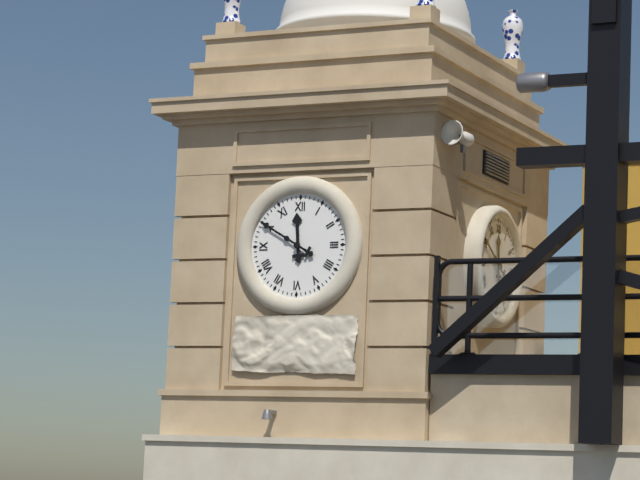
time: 11:50
